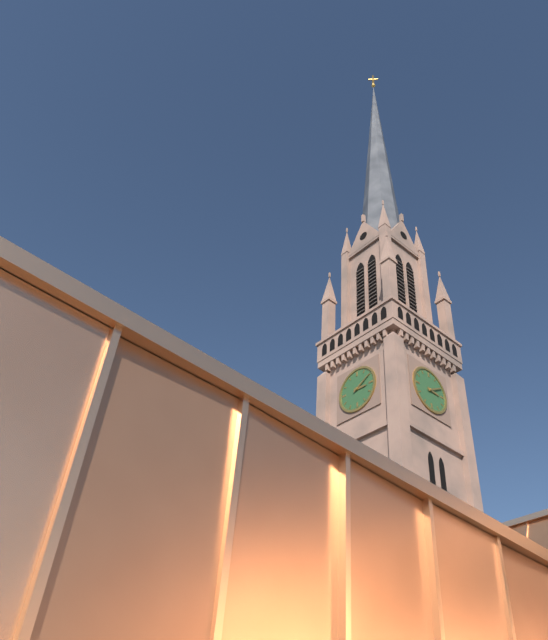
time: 3:10
